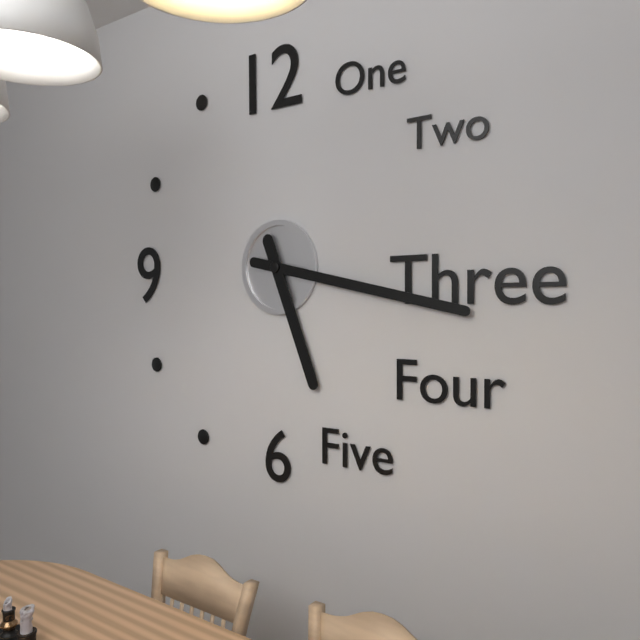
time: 5:17
